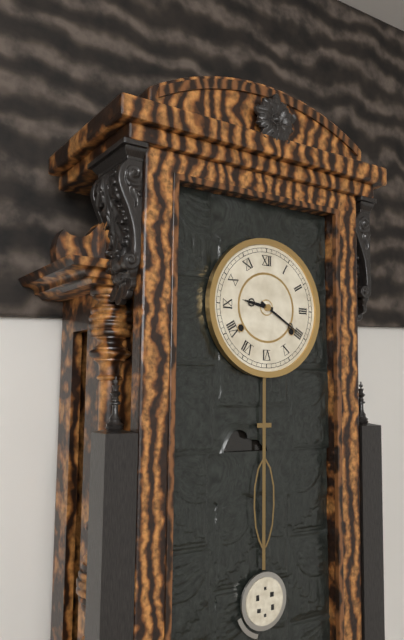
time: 9:20
